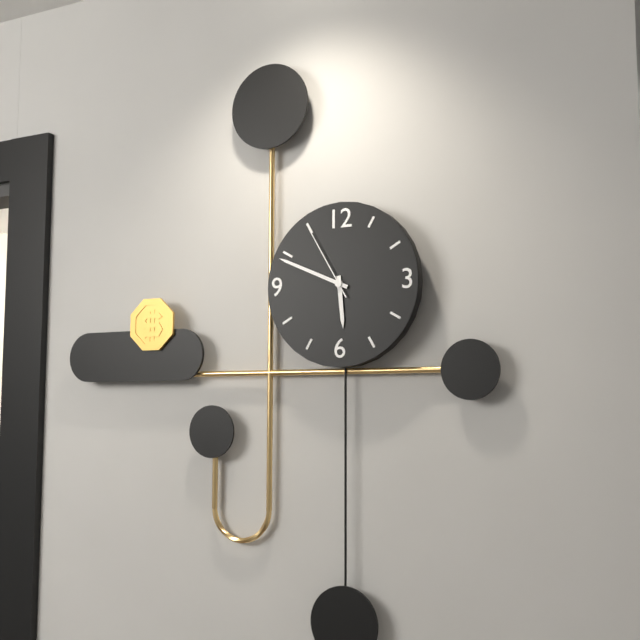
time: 5:49:55
